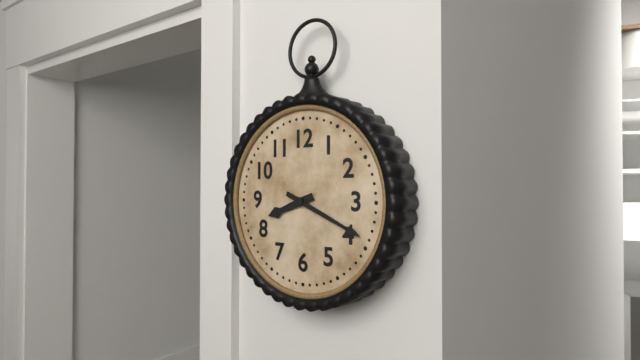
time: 8:19
